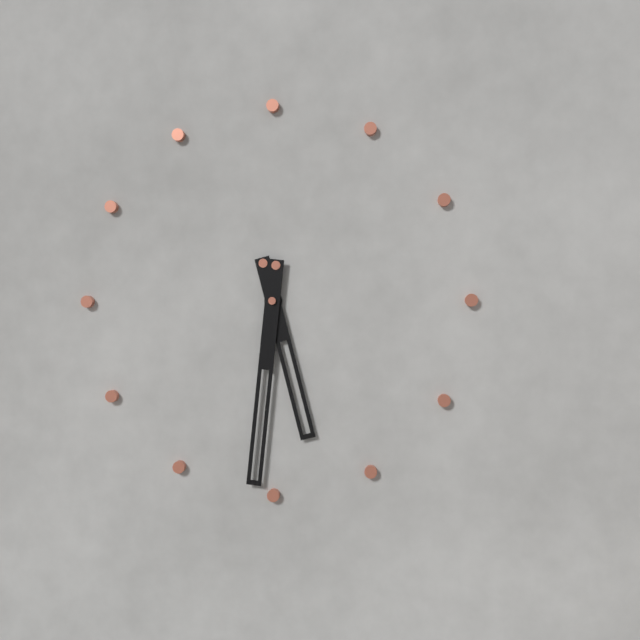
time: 5:31
